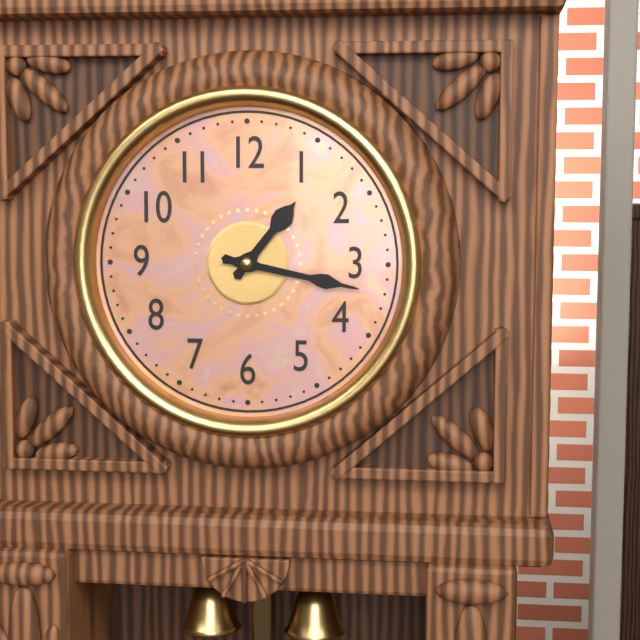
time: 1:17
